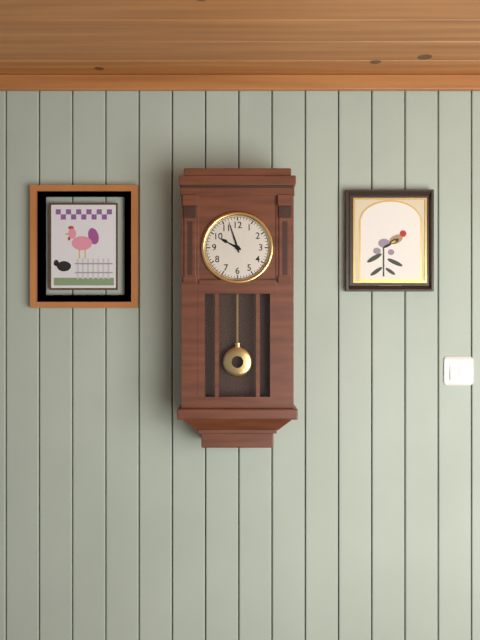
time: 9:57
